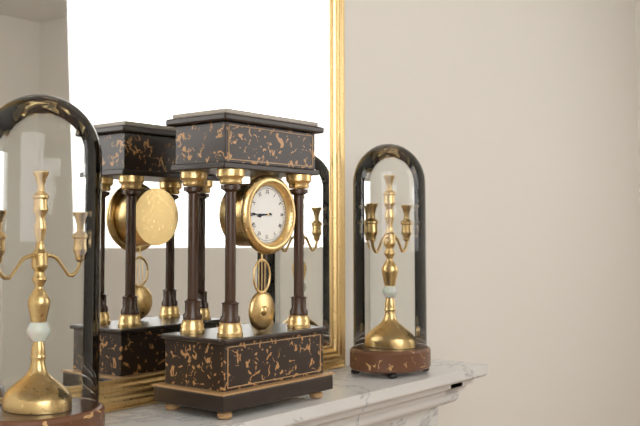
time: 8:45
